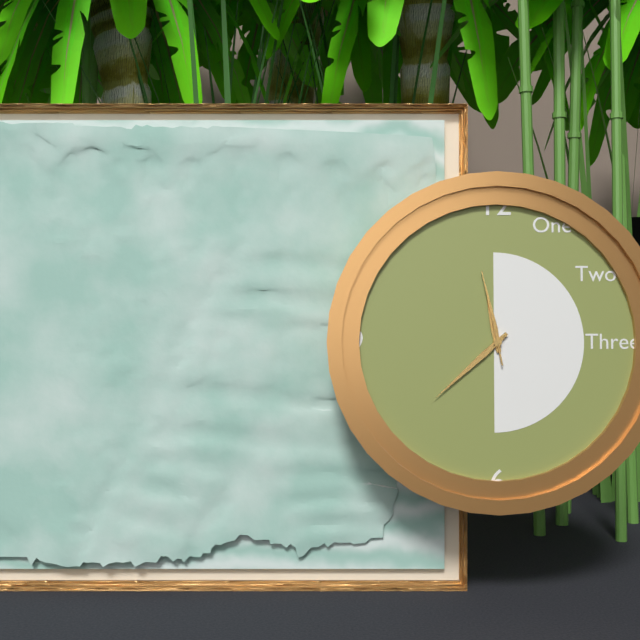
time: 11:38:58
